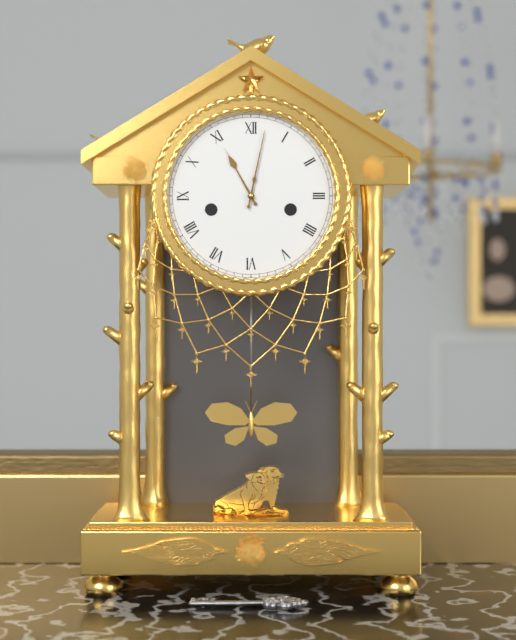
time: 11:02
